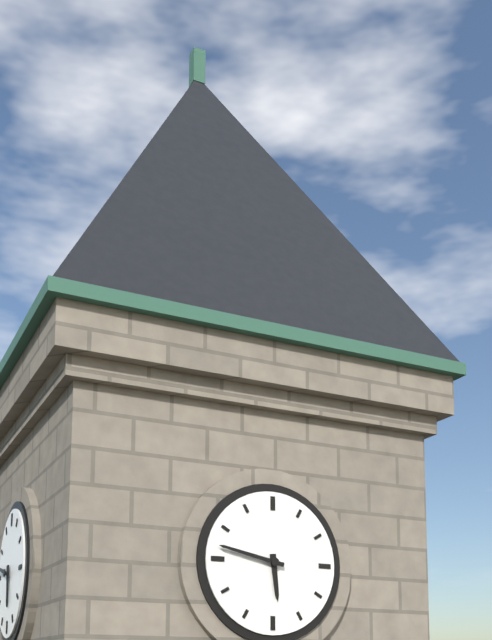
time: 5:47
